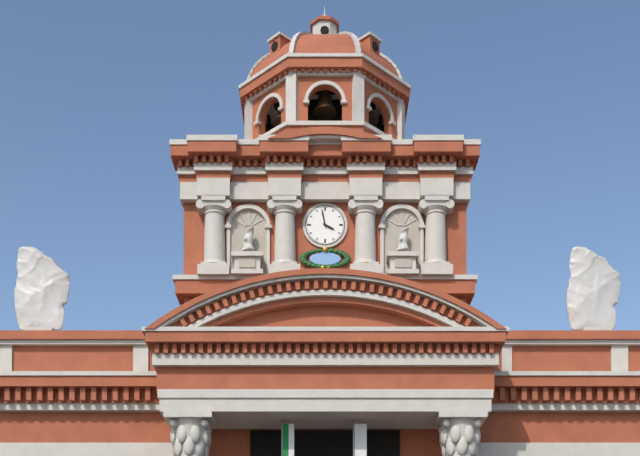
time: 3:58
